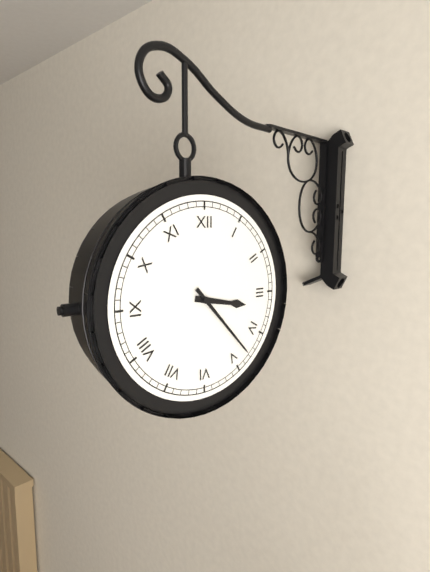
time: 3:23
